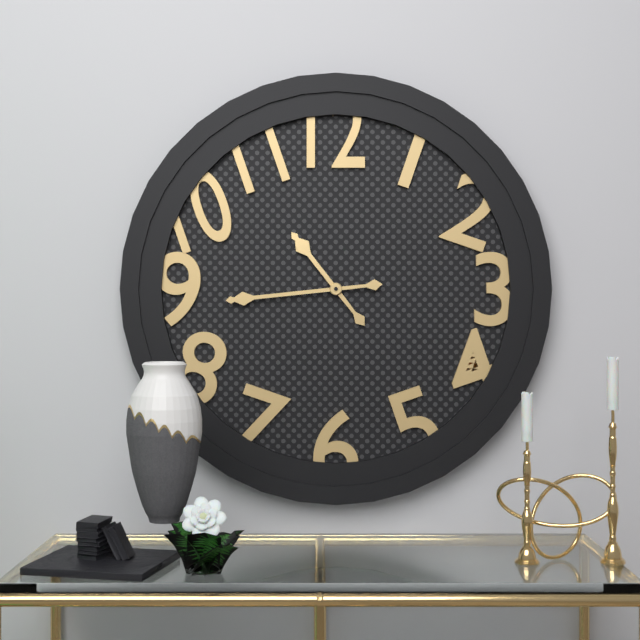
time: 10:44
